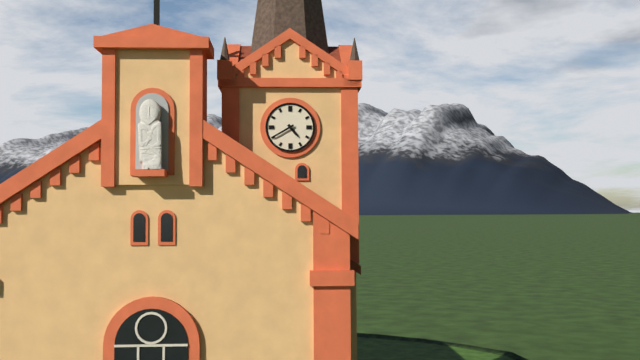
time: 4:40
